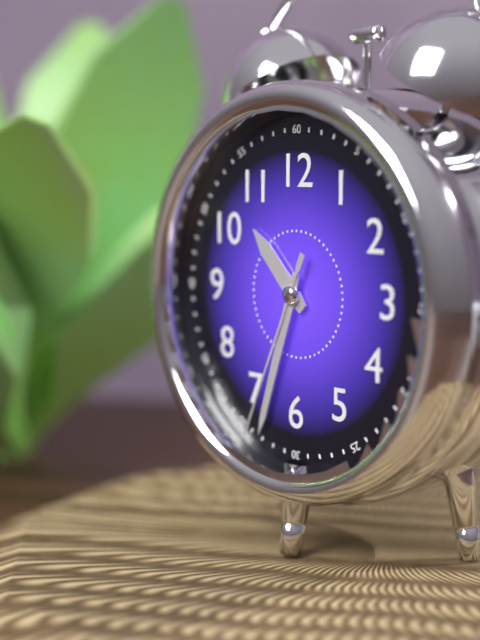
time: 10:33:34
